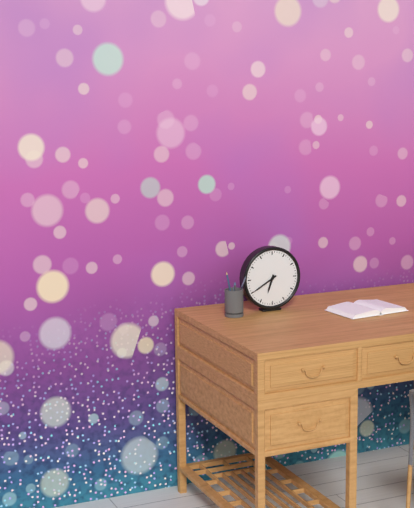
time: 6:40
